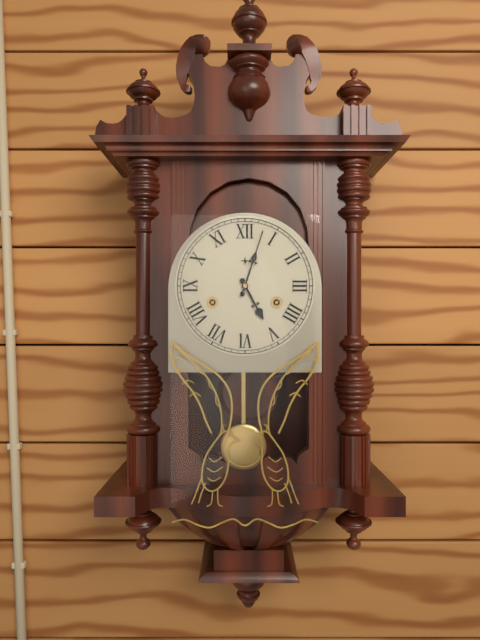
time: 5:03
